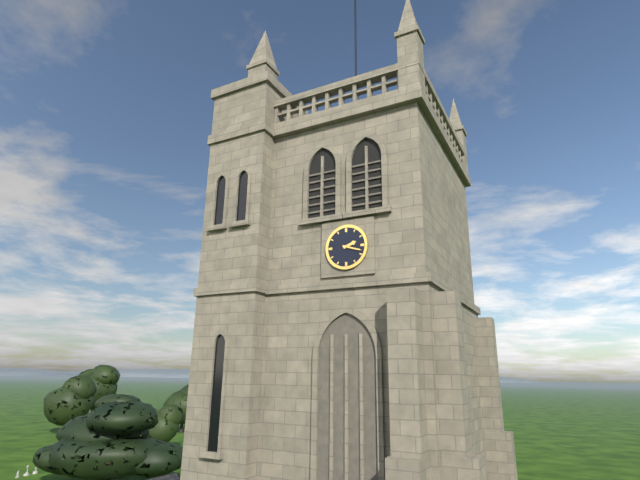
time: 2:18
